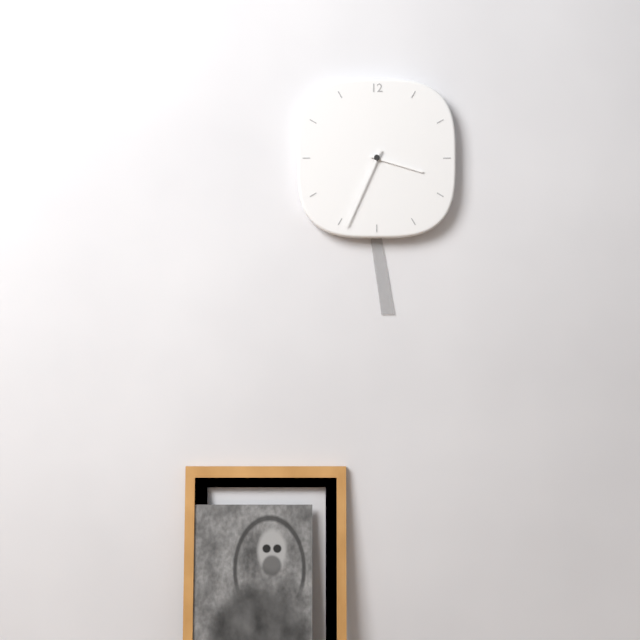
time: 3:34
